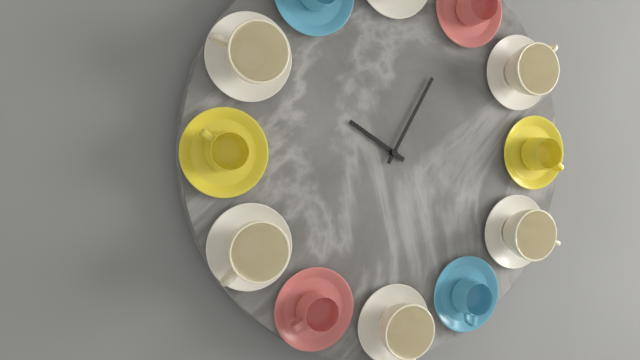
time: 10:05
